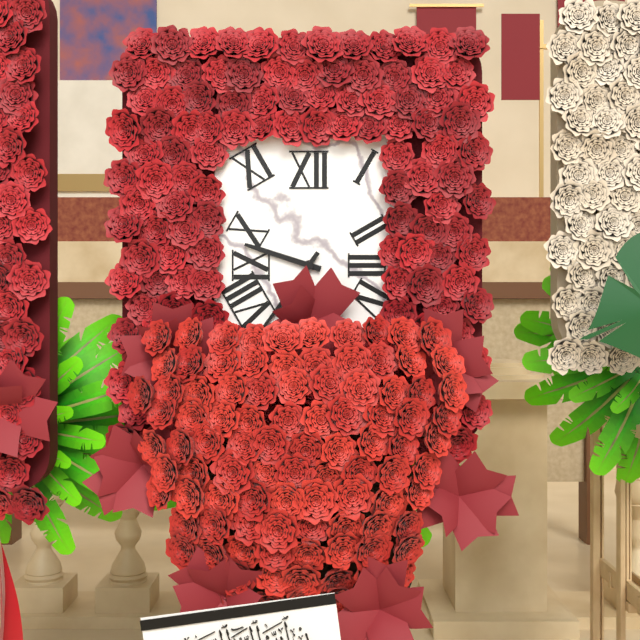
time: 9:36
